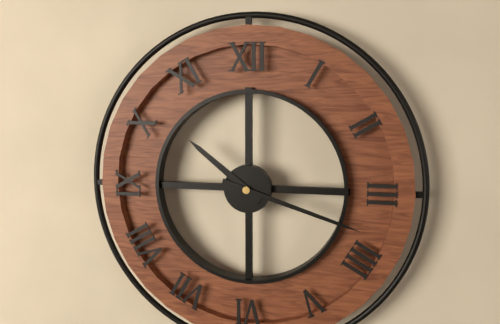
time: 10:18
